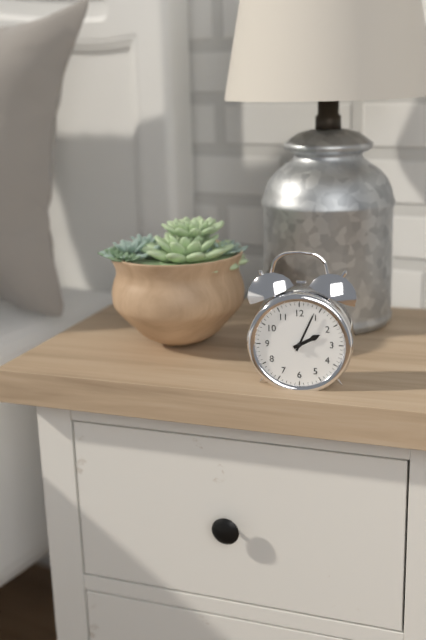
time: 2:04
